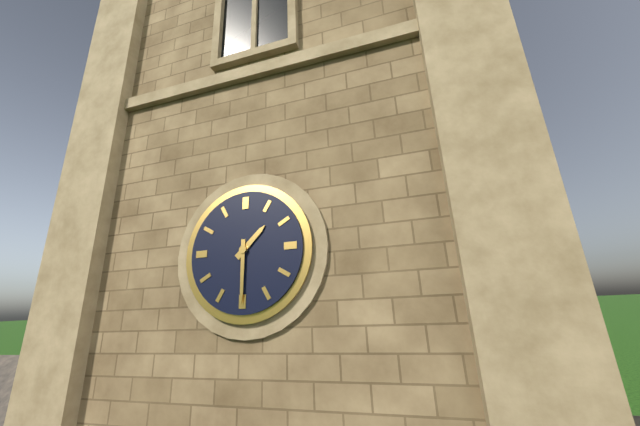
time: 1:30
